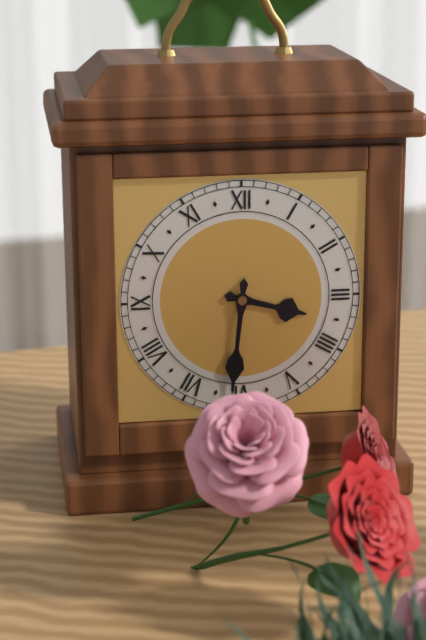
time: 3:31
